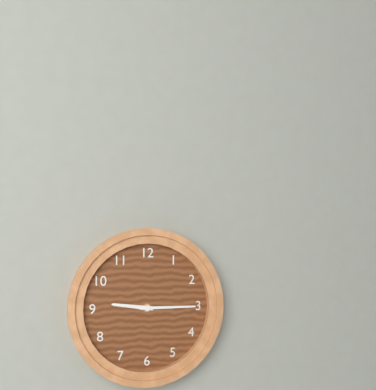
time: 9:15
